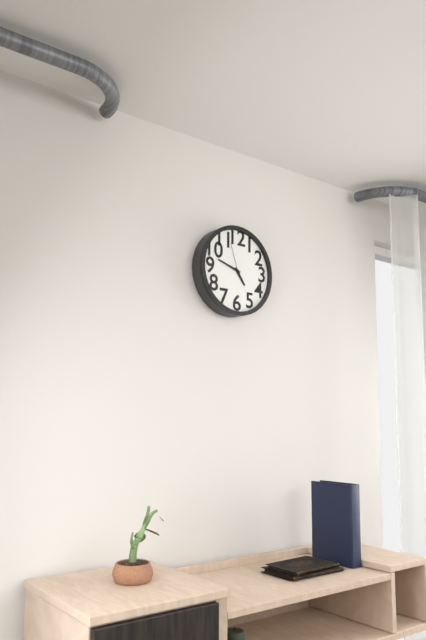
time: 4:48
